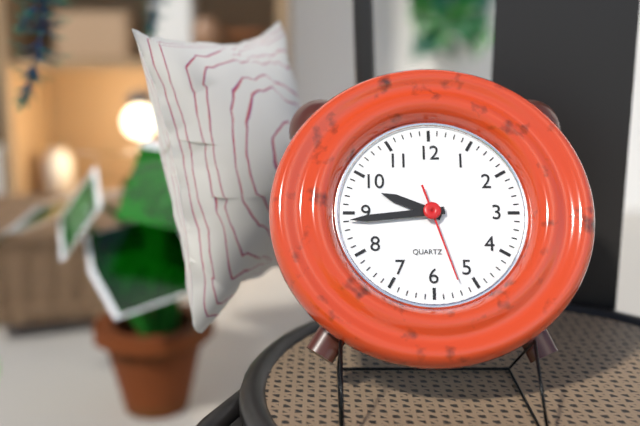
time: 9:44:27
